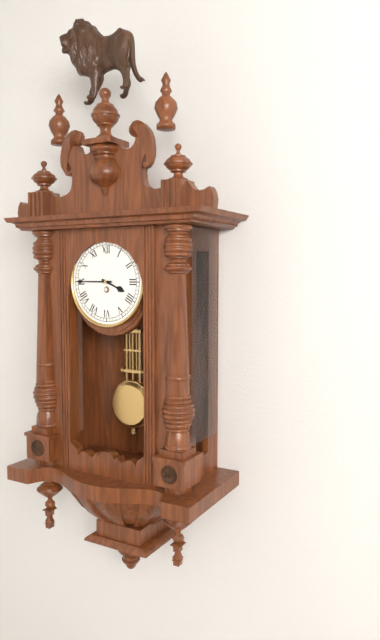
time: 3:45
